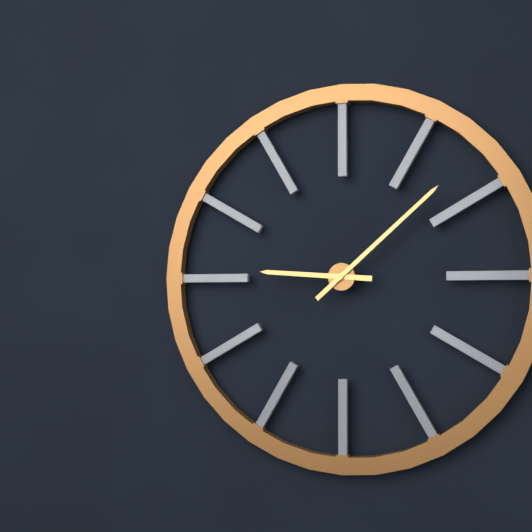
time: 9:08
